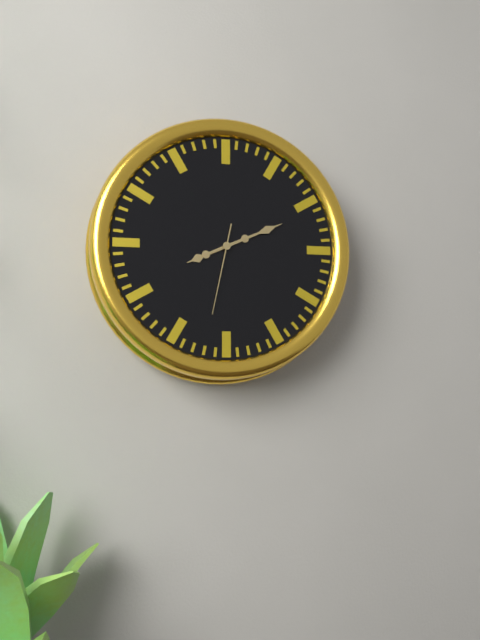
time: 8:11:32
